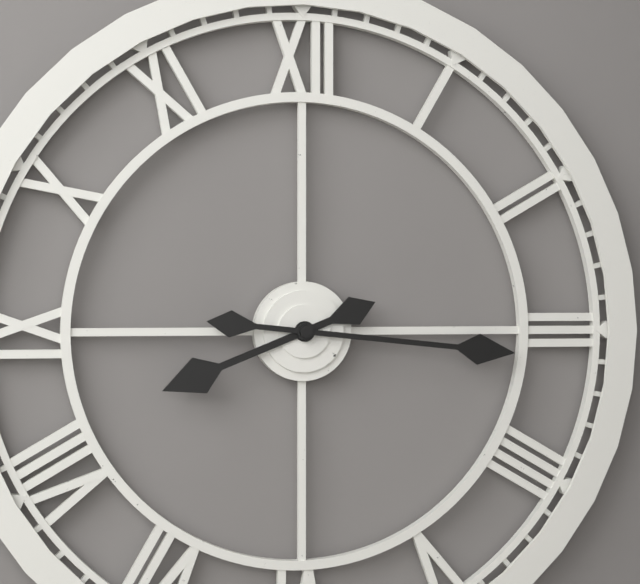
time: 8:16
